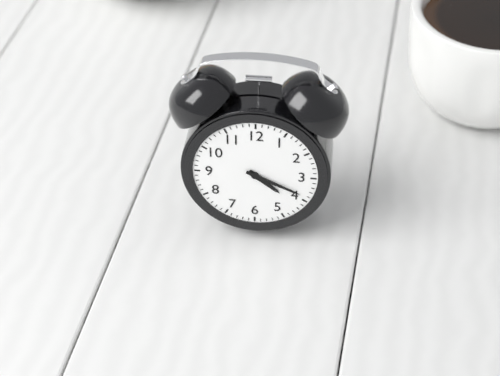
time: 4:19
